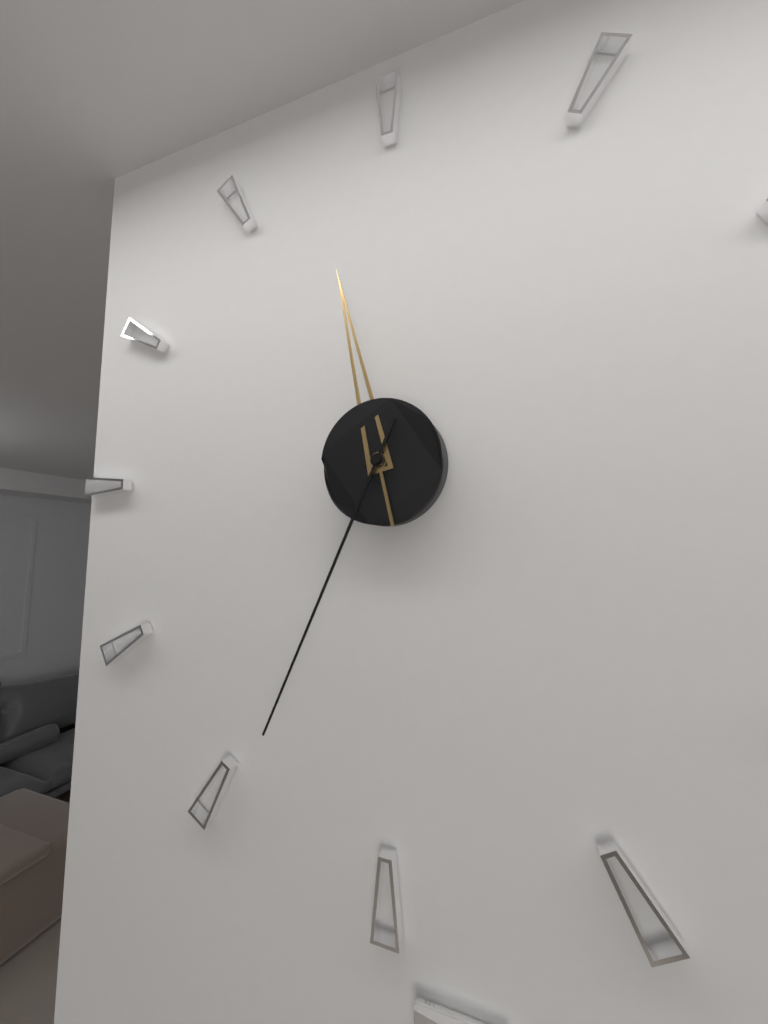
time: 11:34
